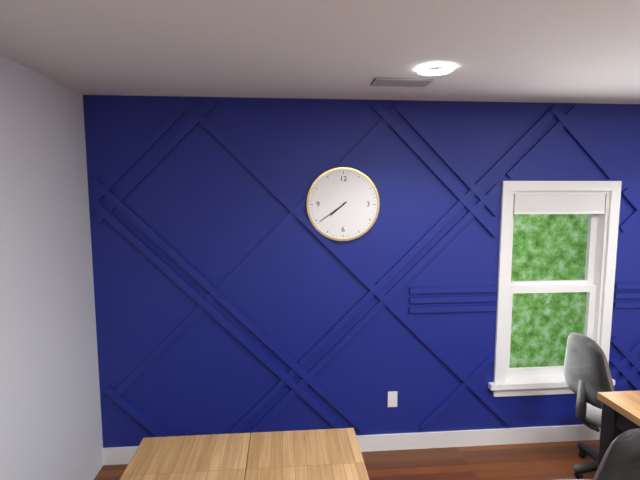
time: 7:39
